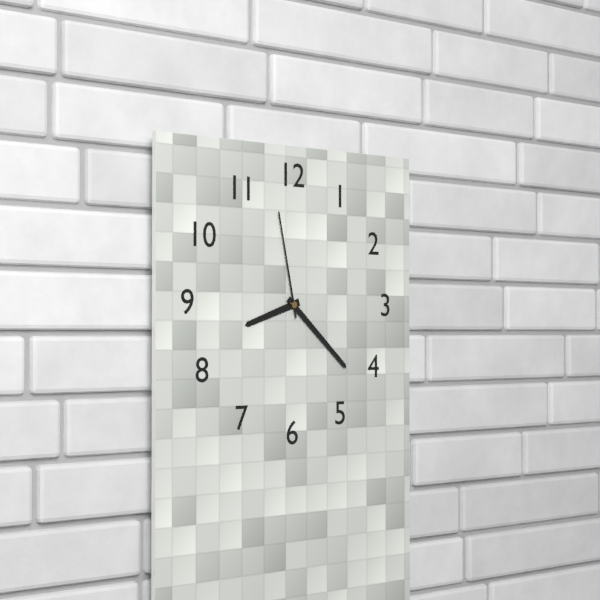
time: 8:22:58
